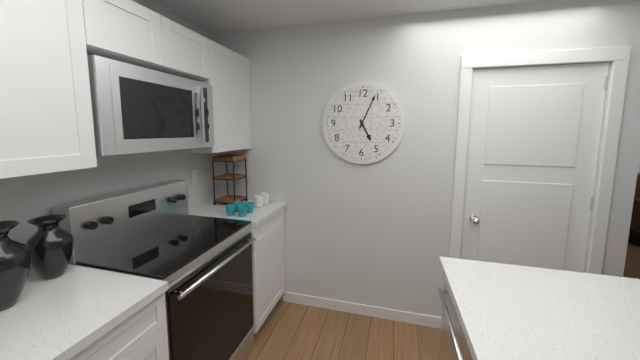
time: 5:04
